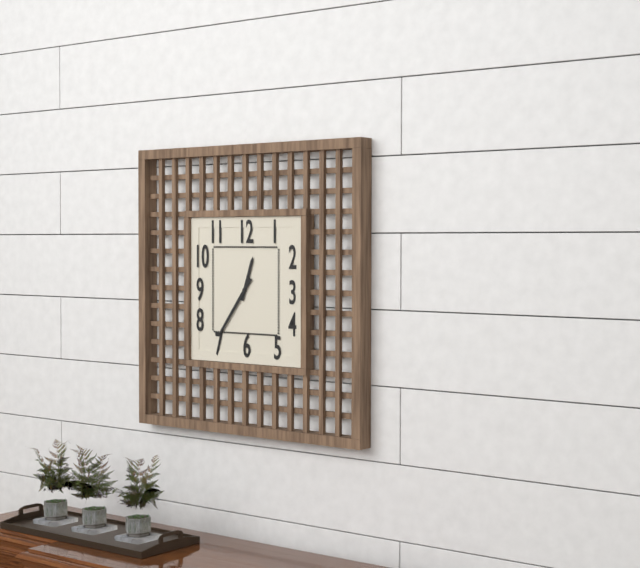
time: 12:36
